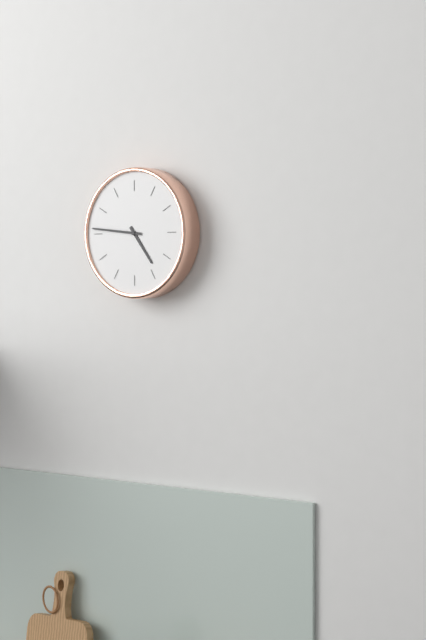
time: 4:46
